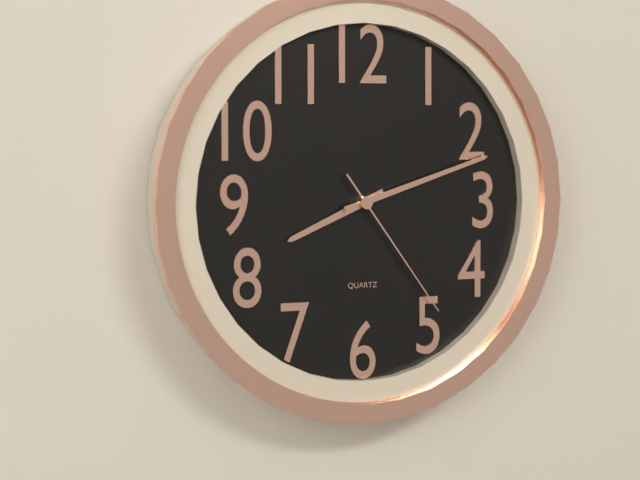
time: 8:12:24
